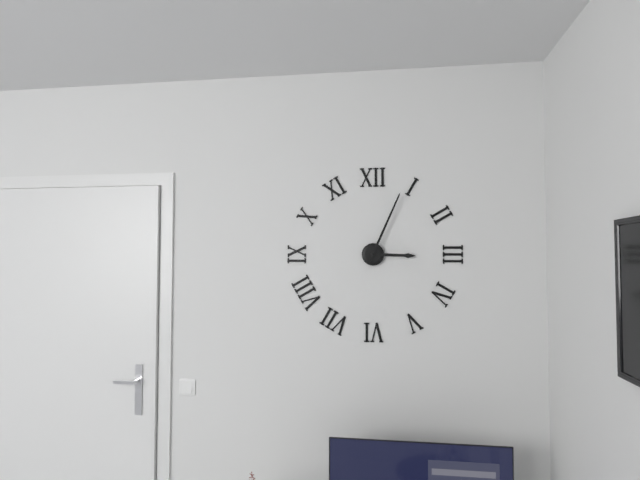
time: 3:04
